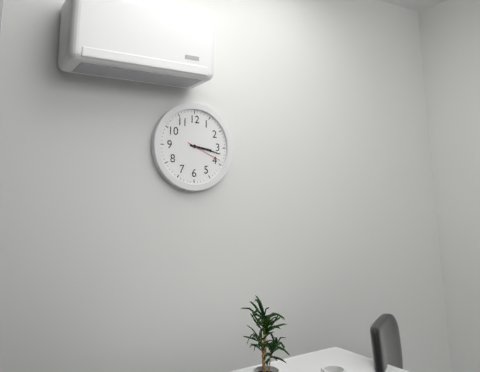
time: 3:17
